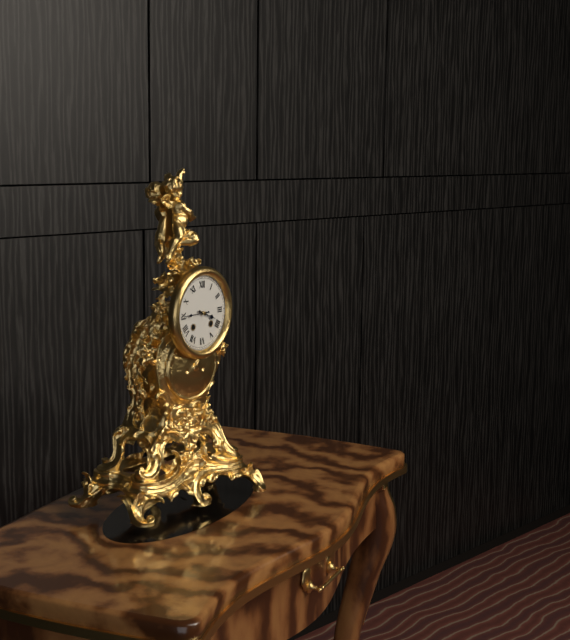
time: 3:45
